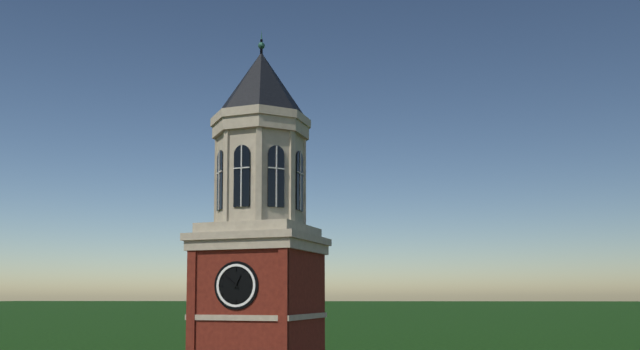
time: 12:52
